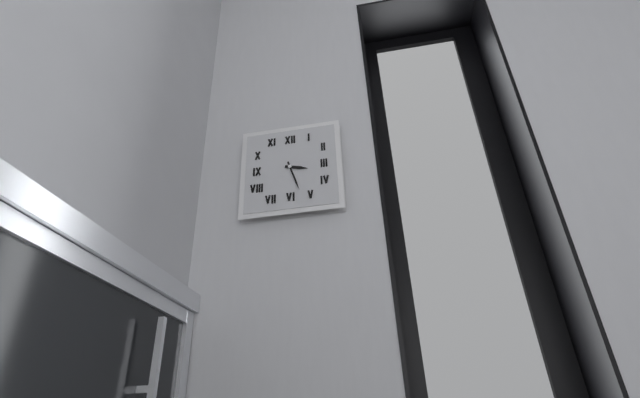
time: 3:27
